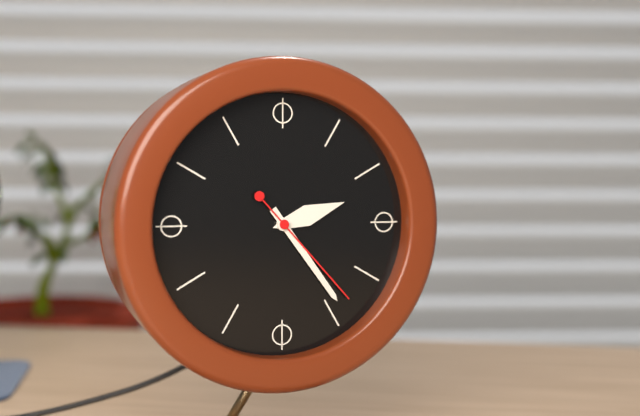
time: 2:24:23
